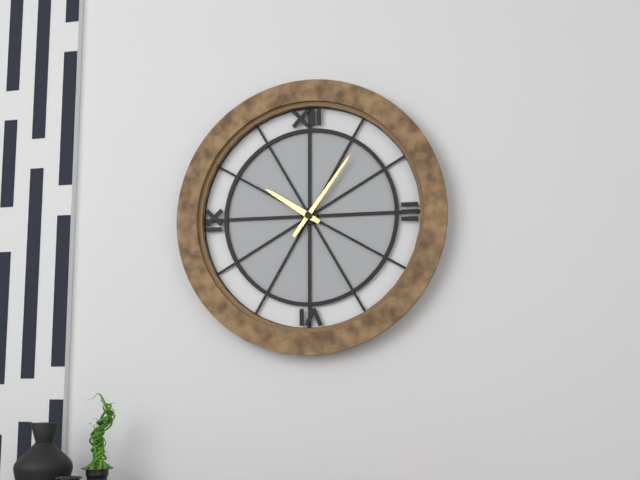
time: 10:06
